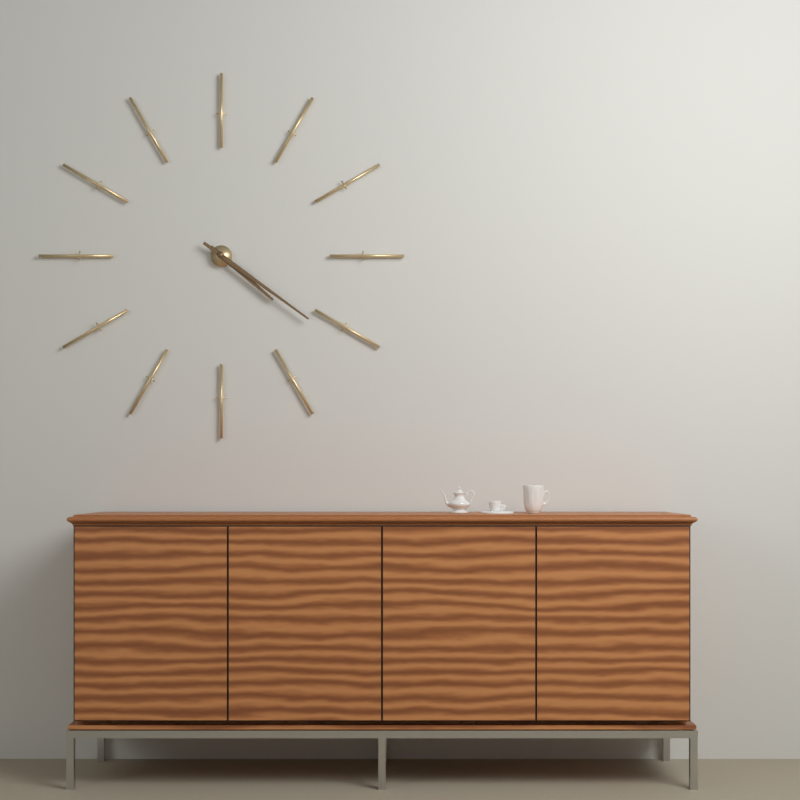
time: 4:21
